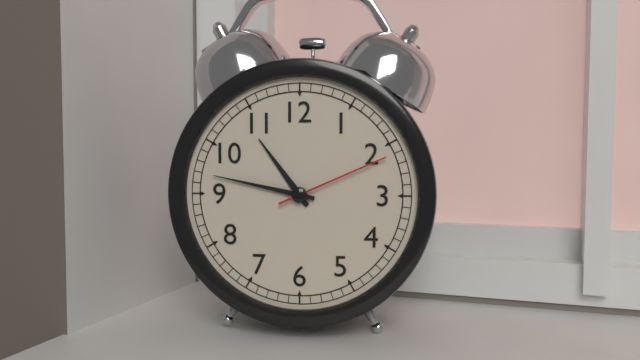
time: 10:47:11
